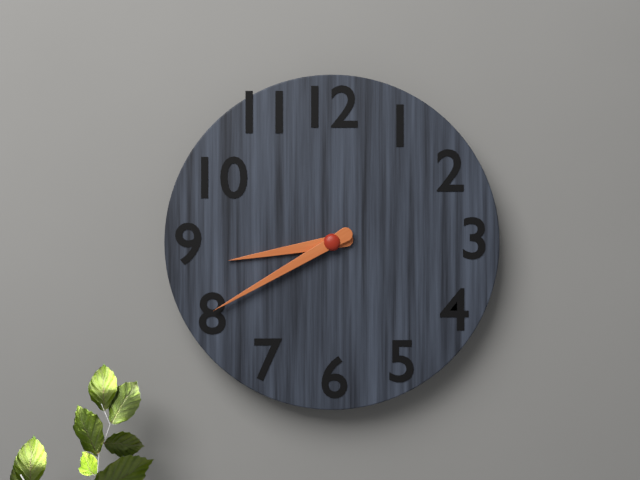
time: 8:40
